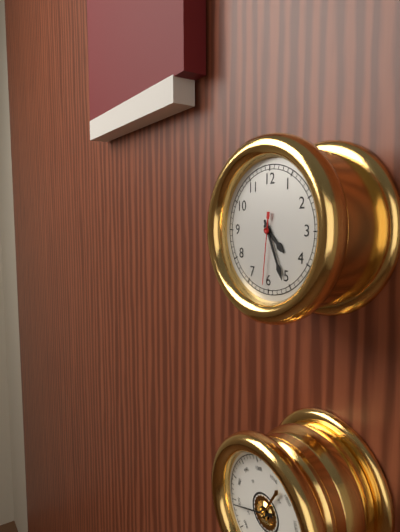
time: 4:26:31
